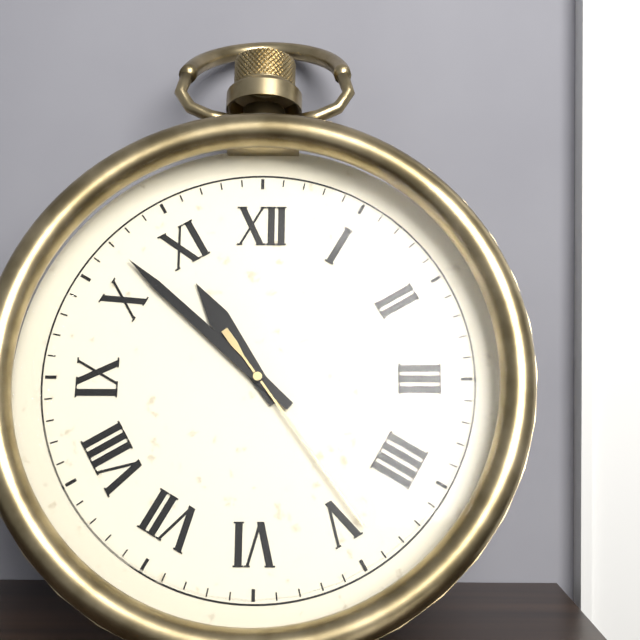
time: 10:52:24
